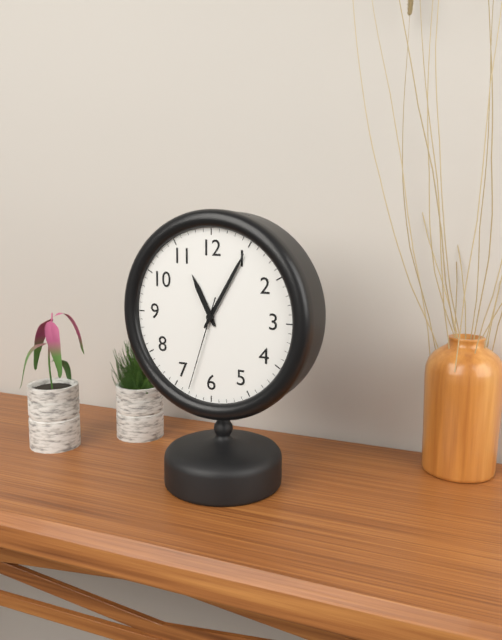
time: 11:05:33
